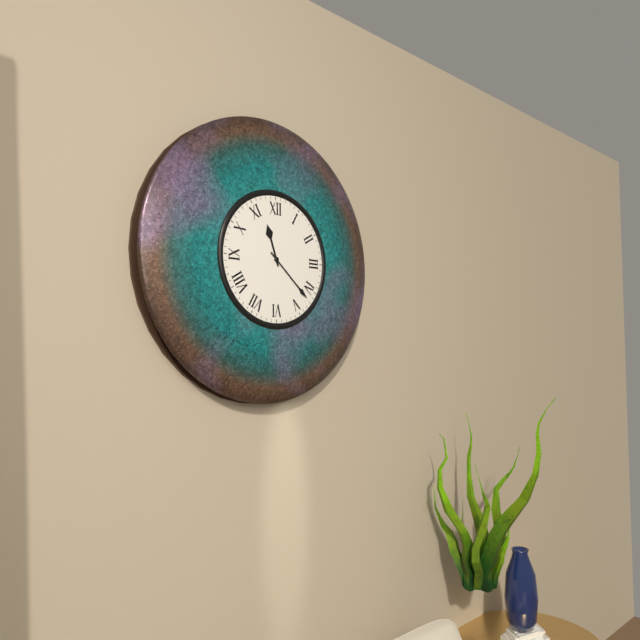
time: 11:22
